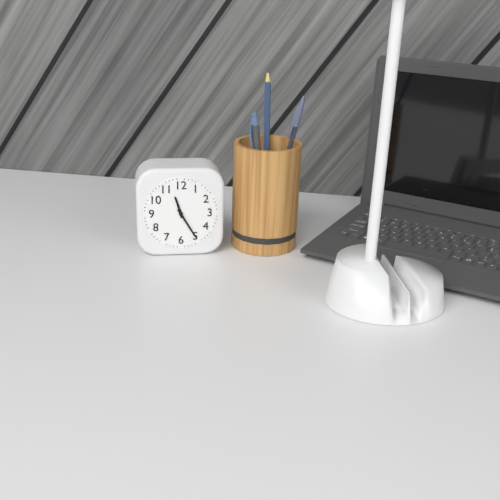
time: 11:25
